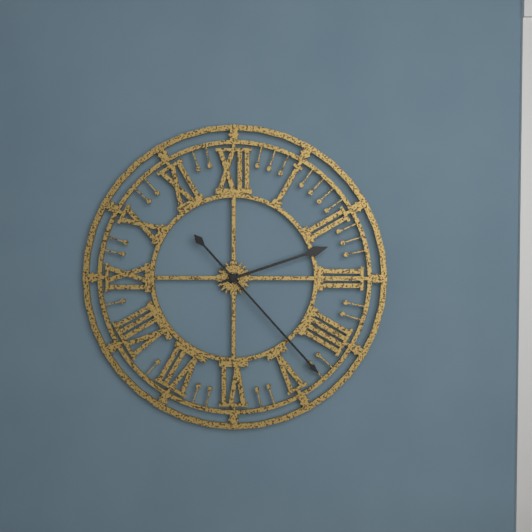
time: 2:23
